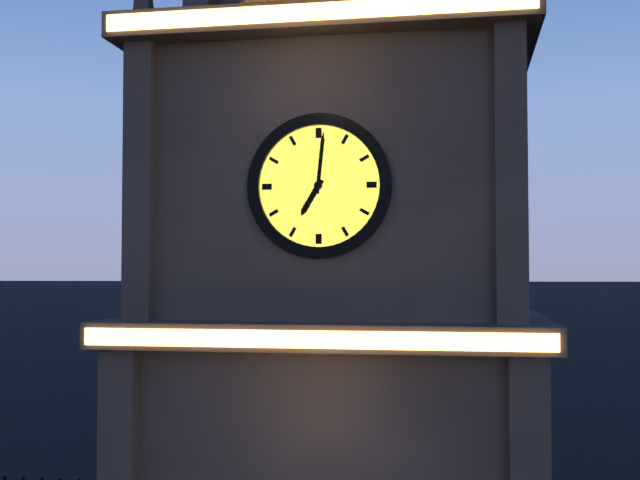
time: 7:01
